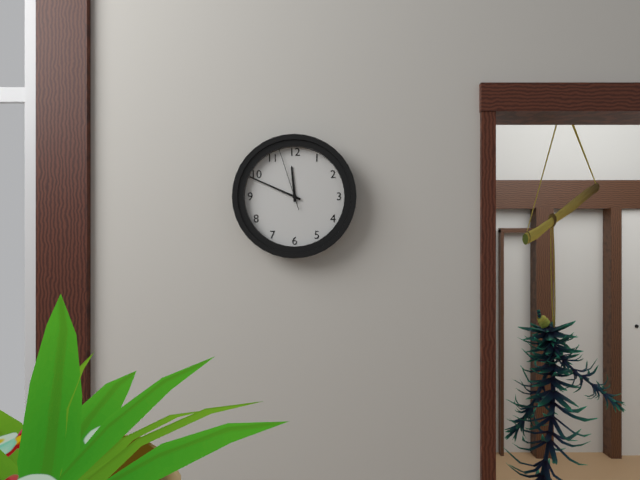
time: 11:49:57
